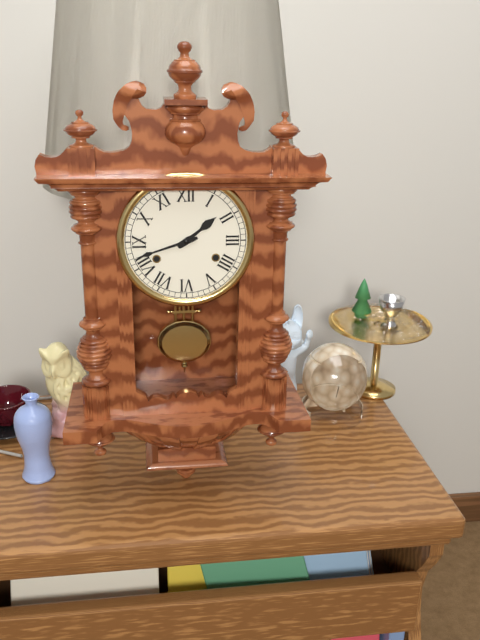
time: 1:42
